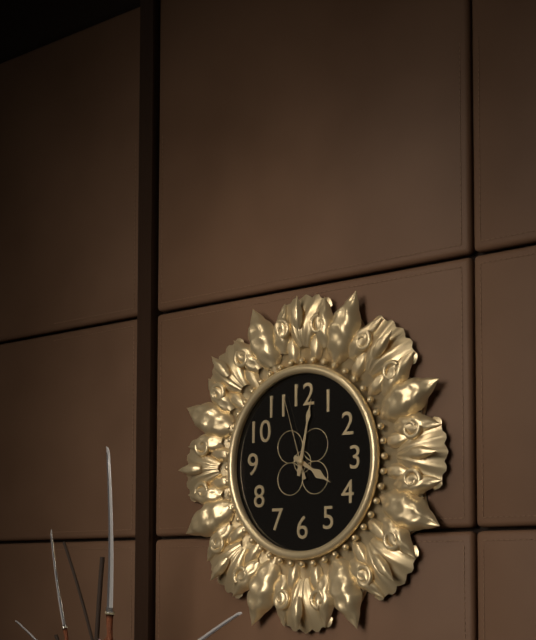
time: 4:02:57
